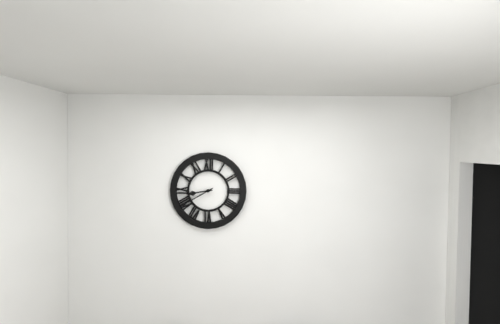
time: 8:40
